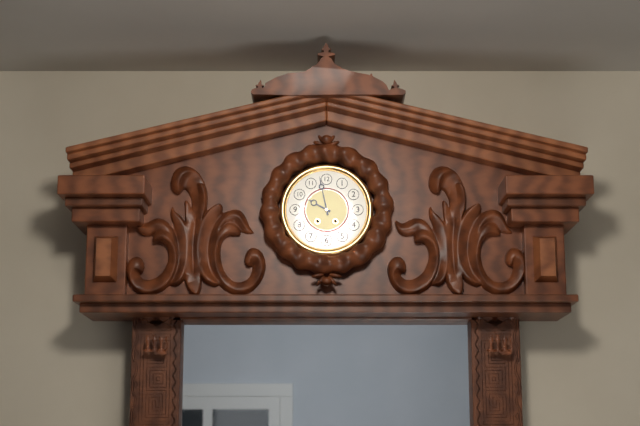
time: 9:58
